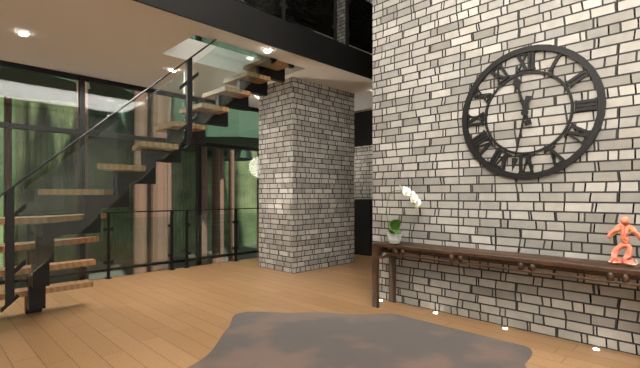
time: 11:32
